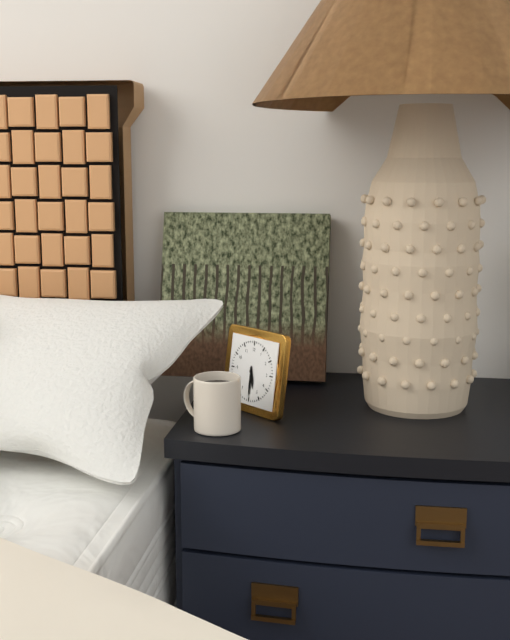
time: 5:30
